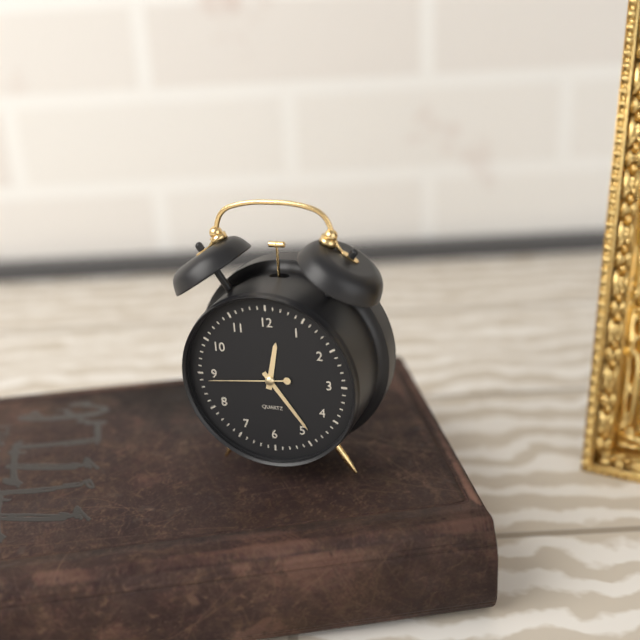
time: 12:24:44
